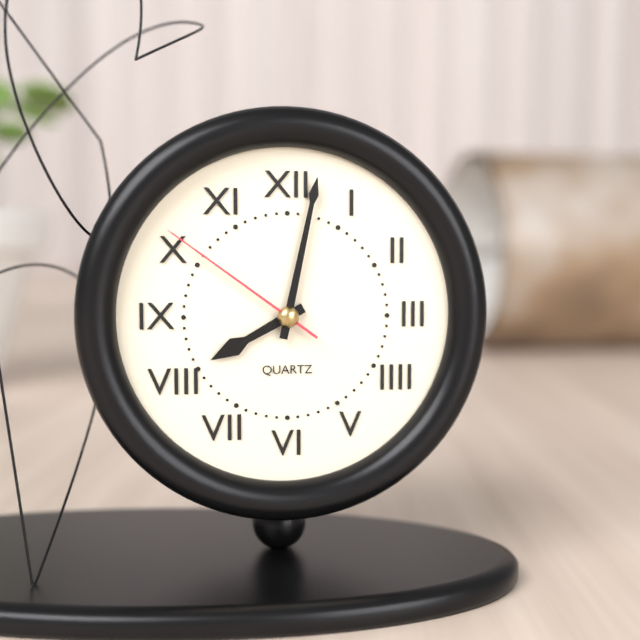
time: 8:02:51
